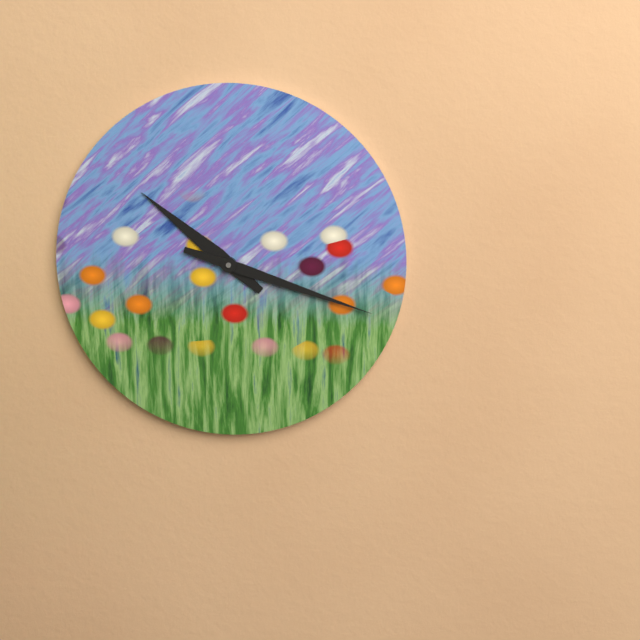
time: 10:18
